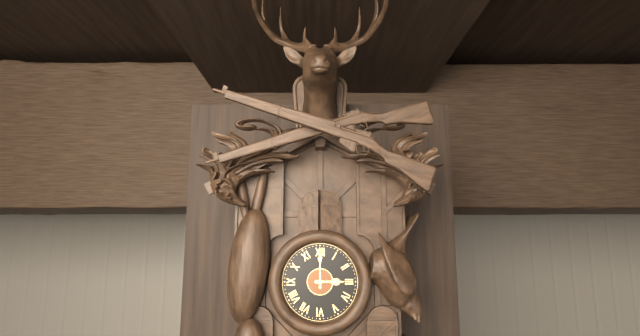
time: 3:00
